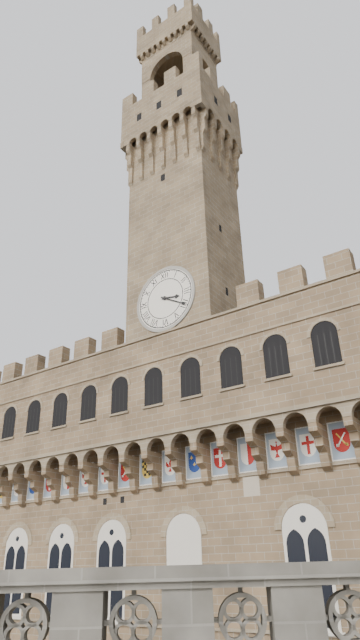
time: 3:20
